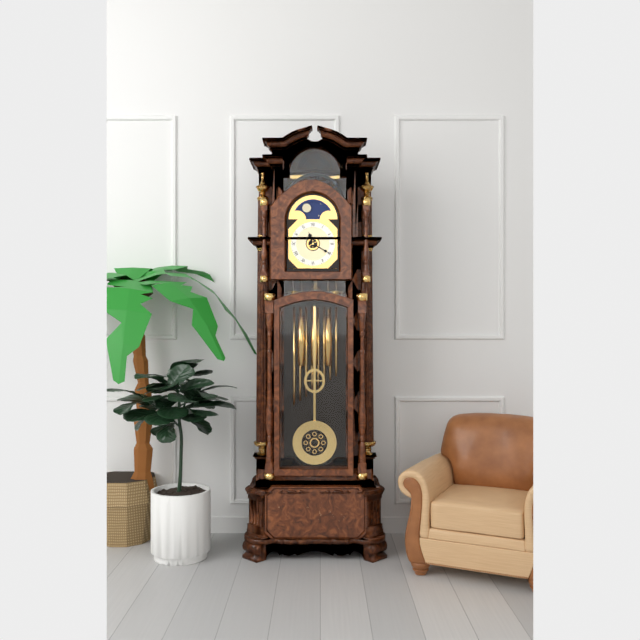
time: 11:20
